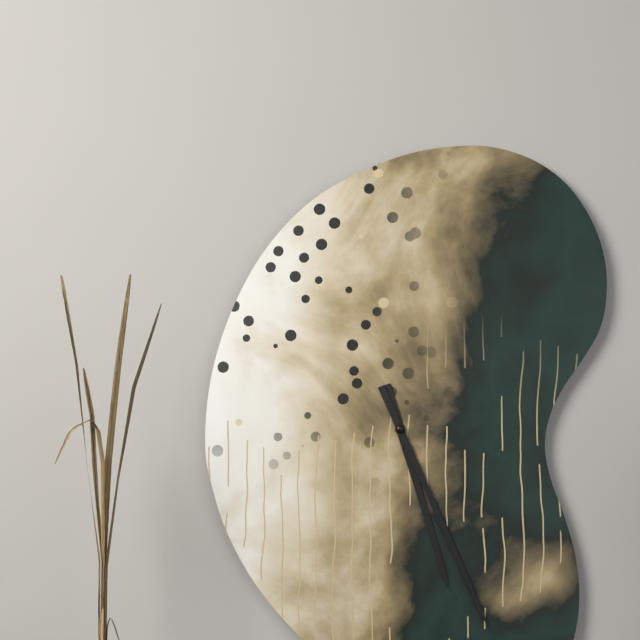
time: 5:26
